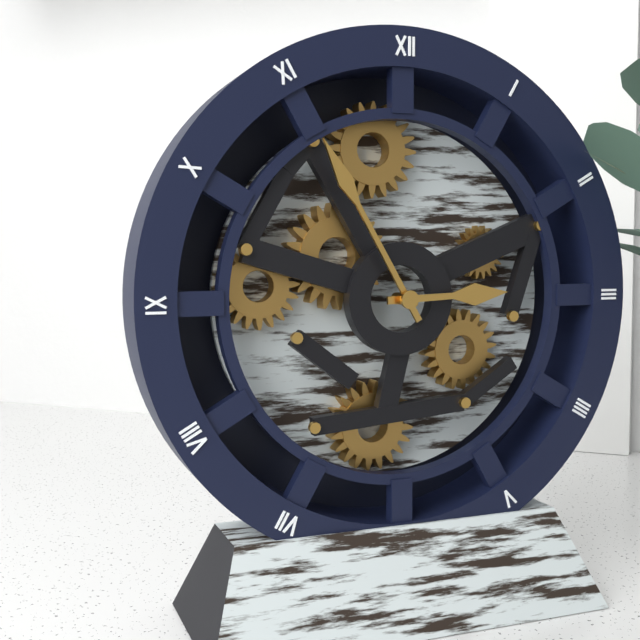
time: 2:55
